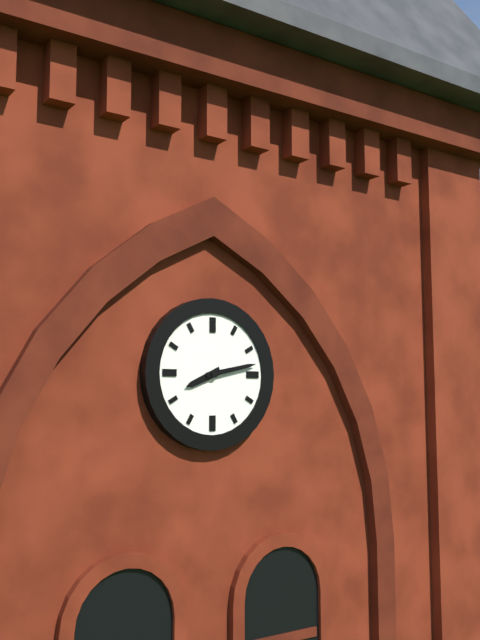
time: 8:13
